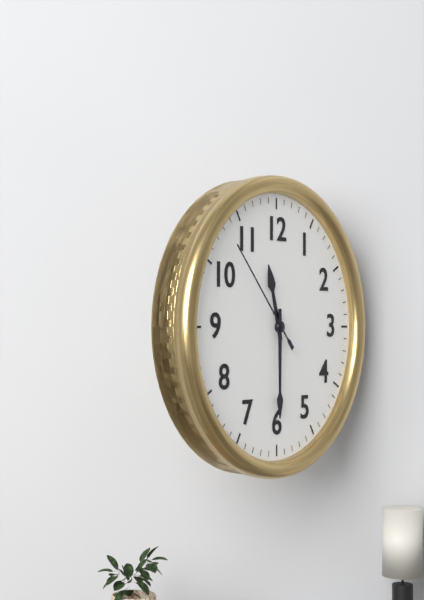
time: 11:30:53
